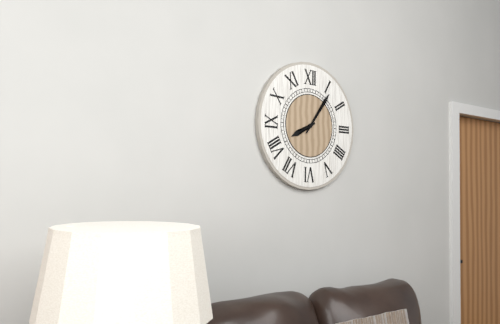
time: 8:06
